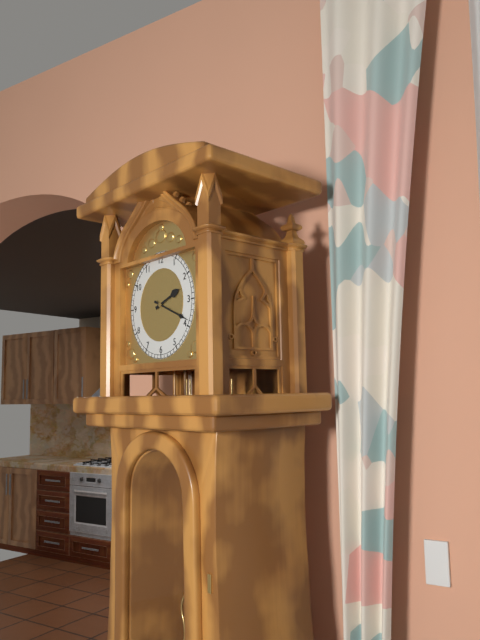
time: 2:19
